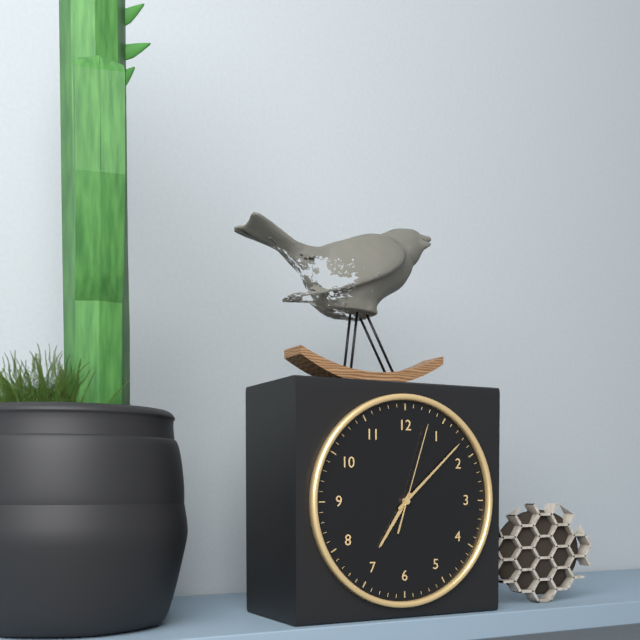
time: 7:08:03
